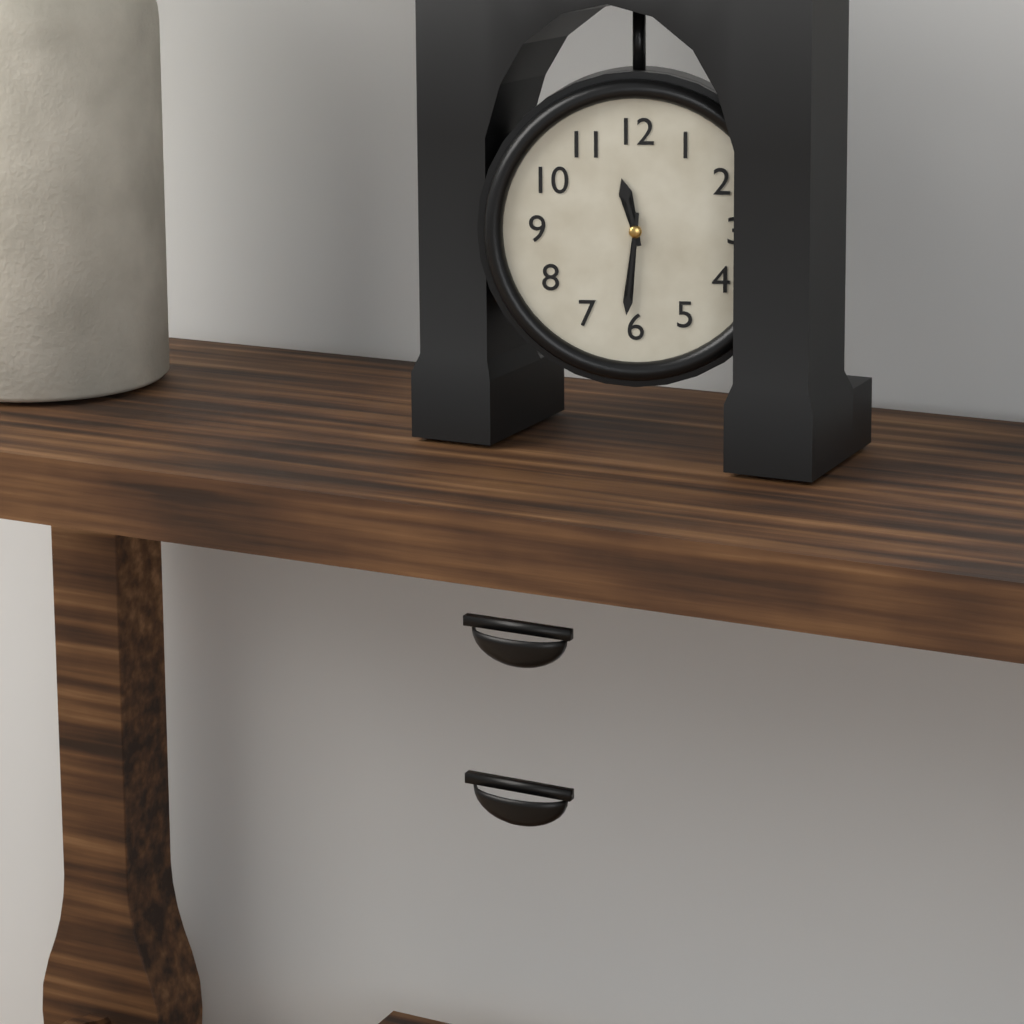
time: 11:31
